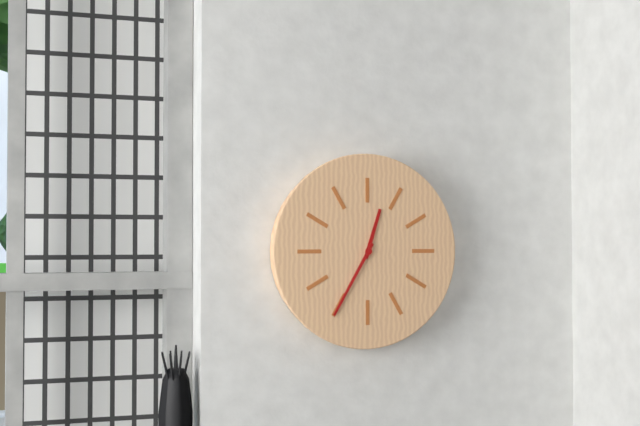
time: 12:35
